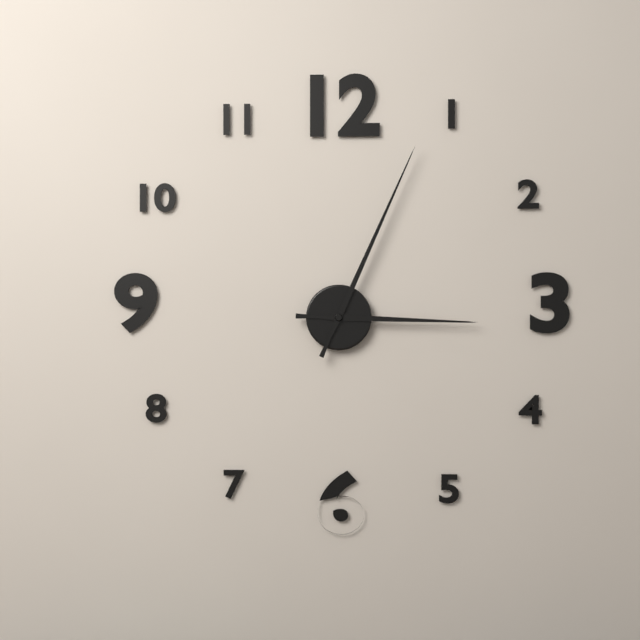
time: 3:04
